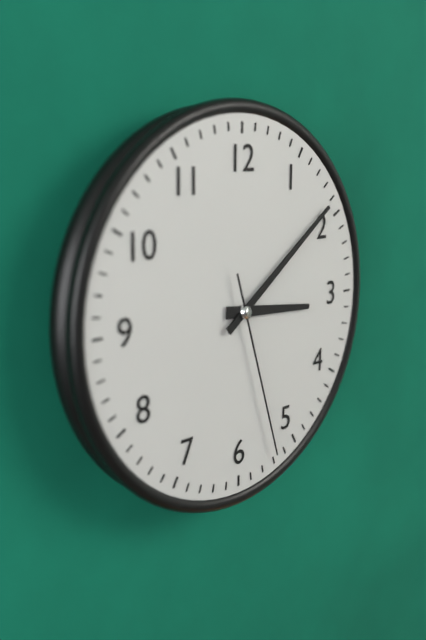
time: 3:09:27
